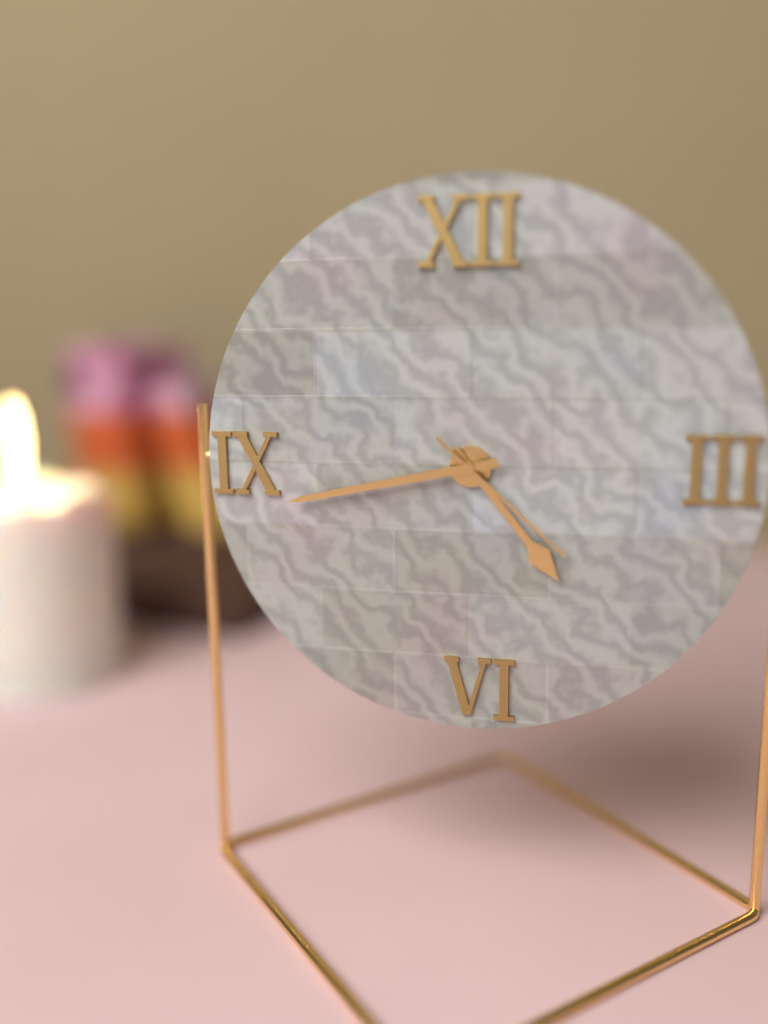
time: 4:43:22
